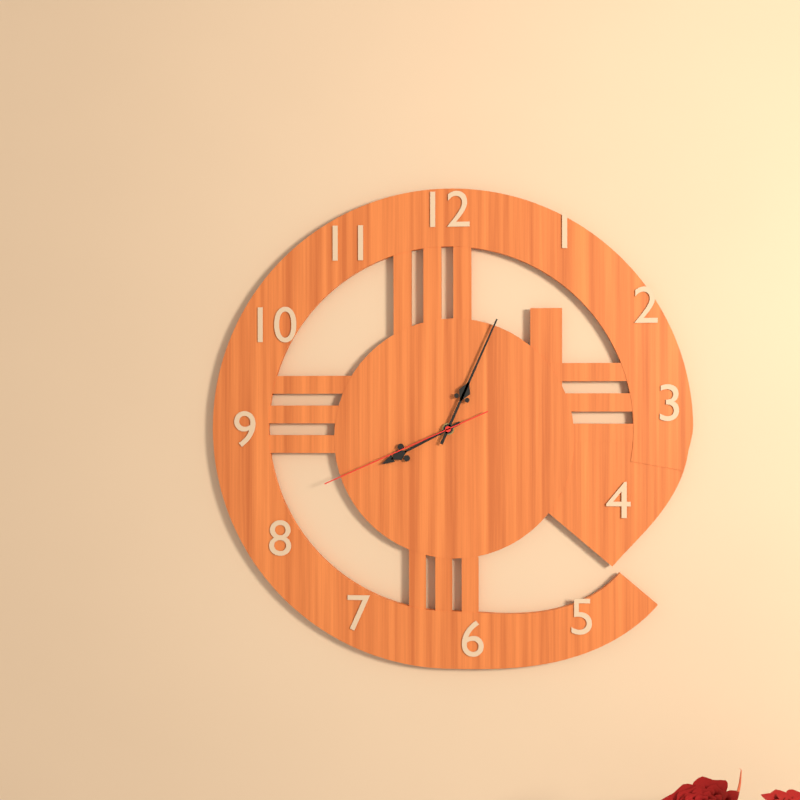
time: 8:04:41
